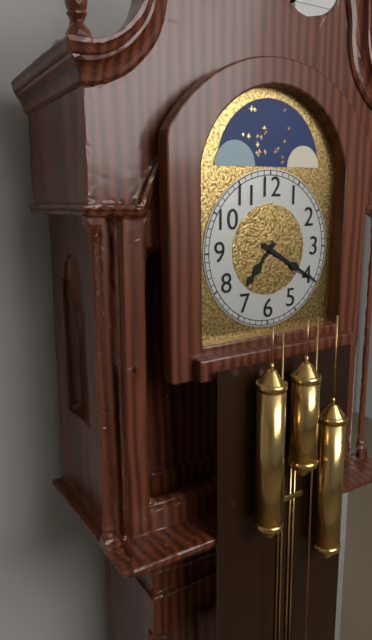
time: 7:20
